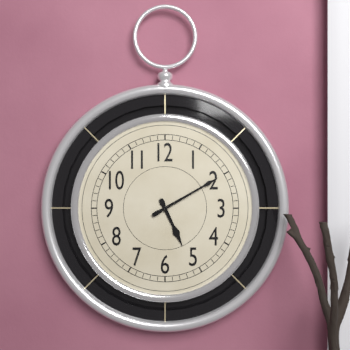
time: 5:10
